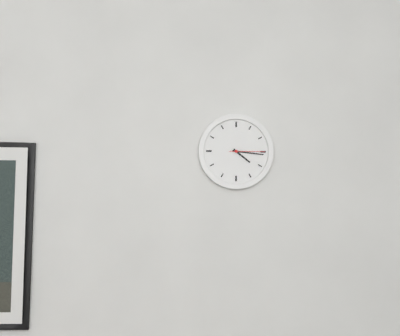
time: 4:16
